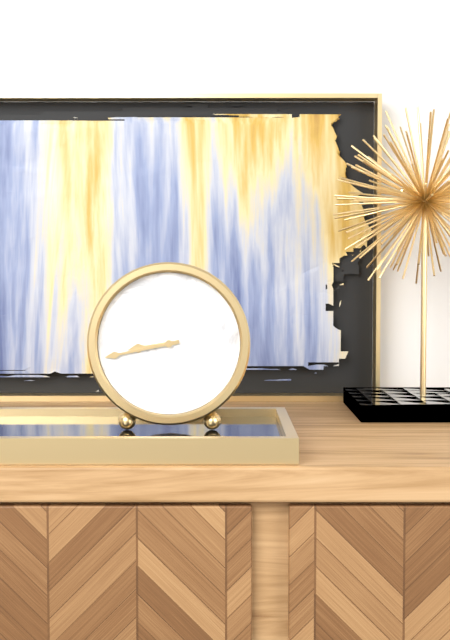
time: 8:43
